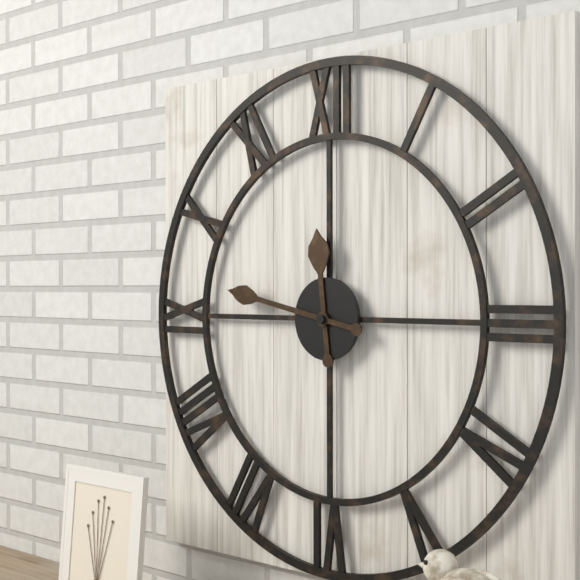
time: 11:47
